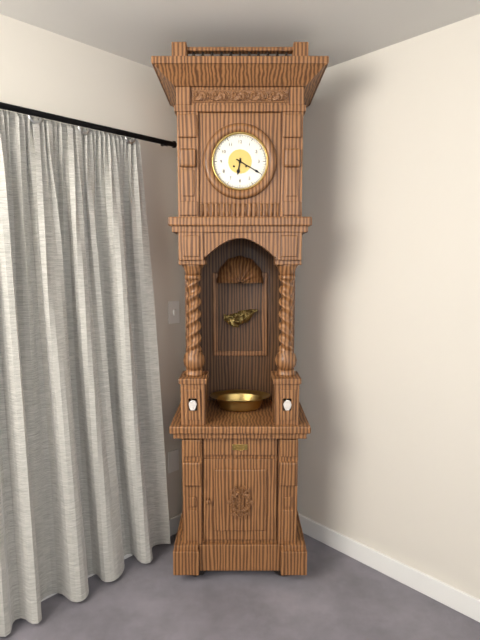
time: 6:20
